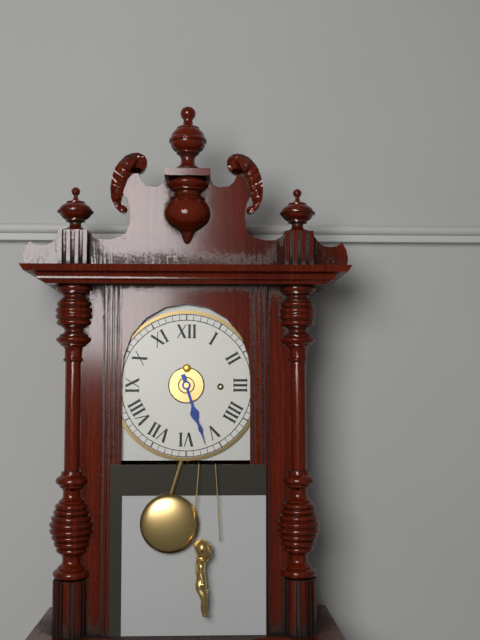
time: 5:27
